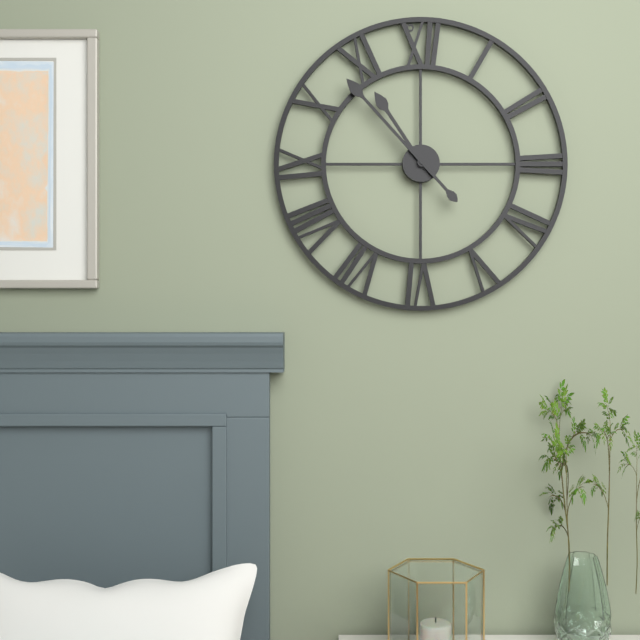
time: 10:53
